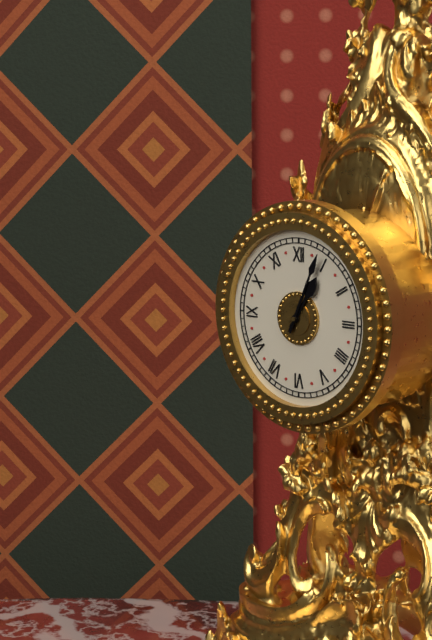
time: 1:04
